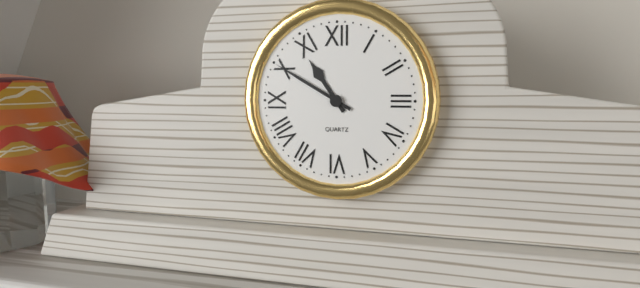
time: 10:50
